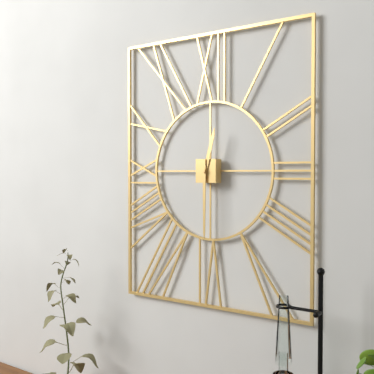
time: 12:30
